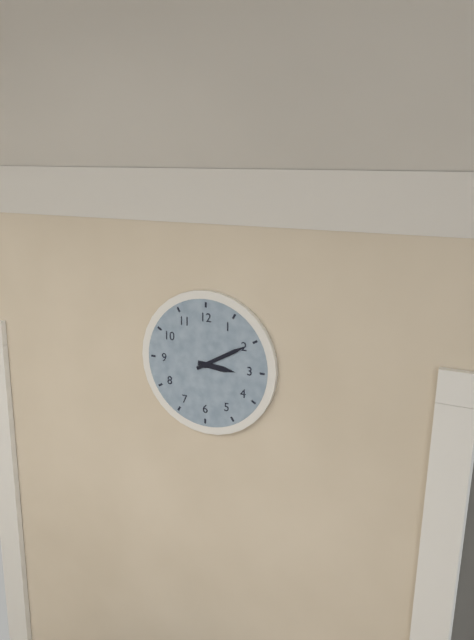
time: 3:10
